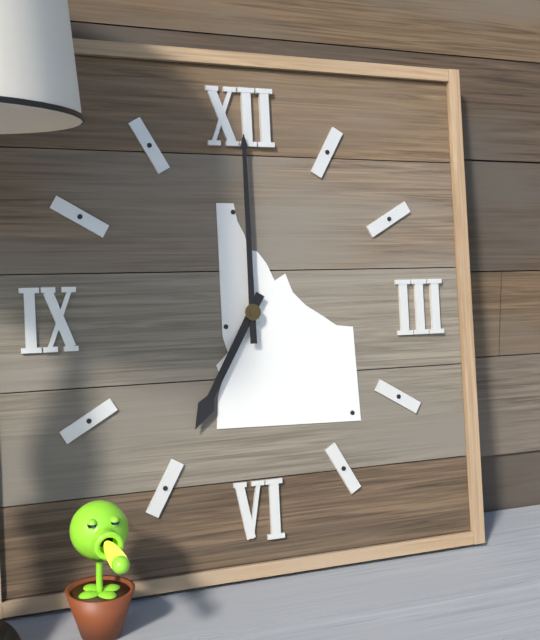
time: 7:00
